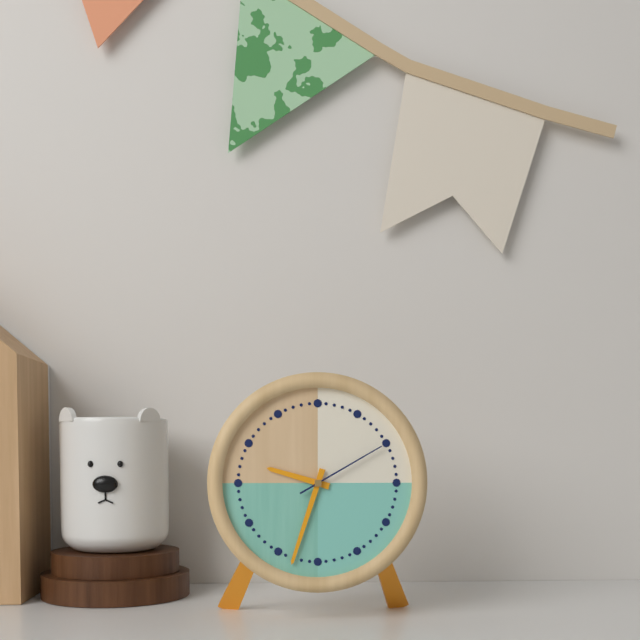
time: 9:33:10
